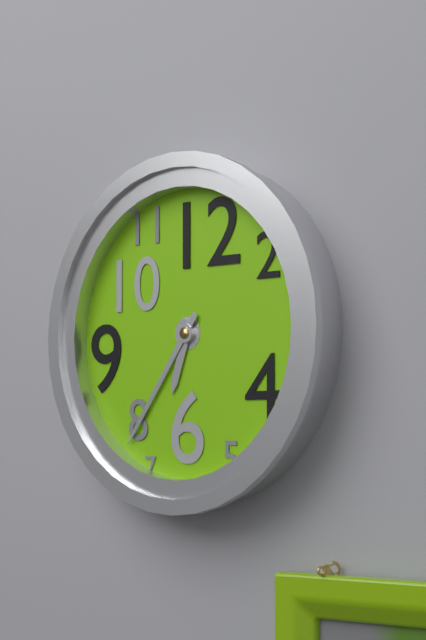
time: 6:36
